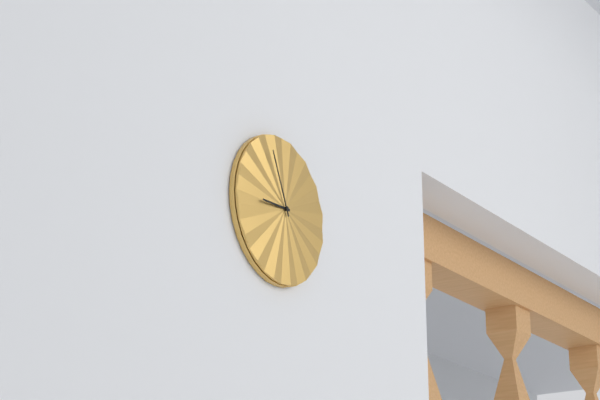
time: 8:56
